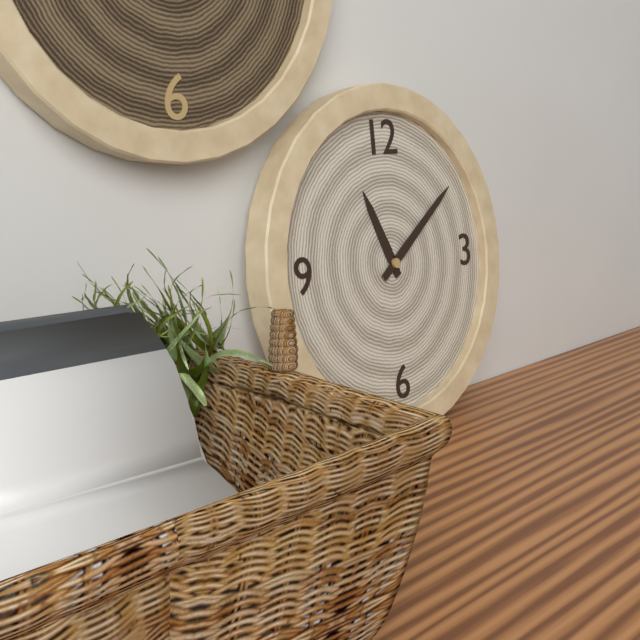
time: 11:09
